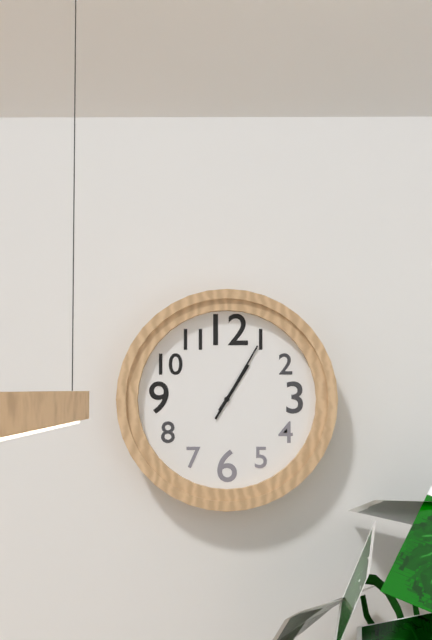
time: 1:05
